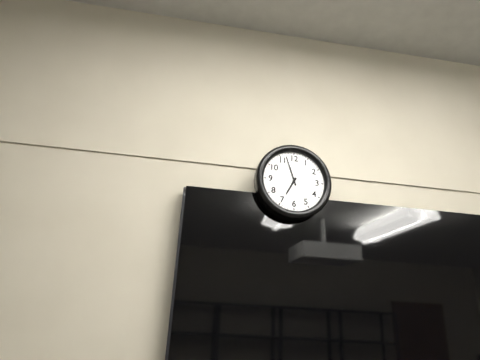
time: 6:57
